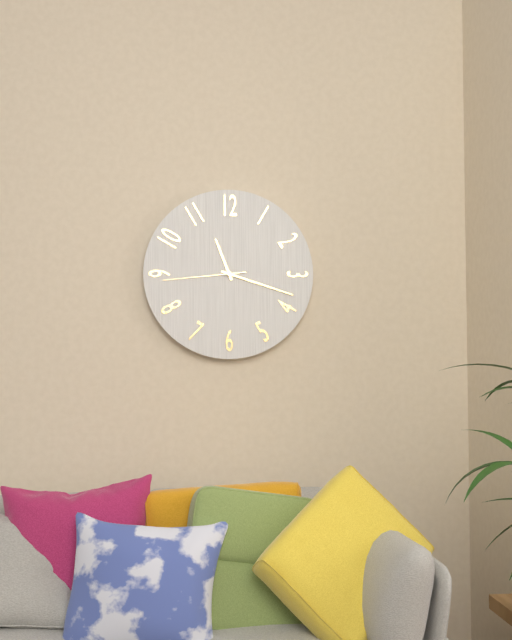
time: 11:18:44
